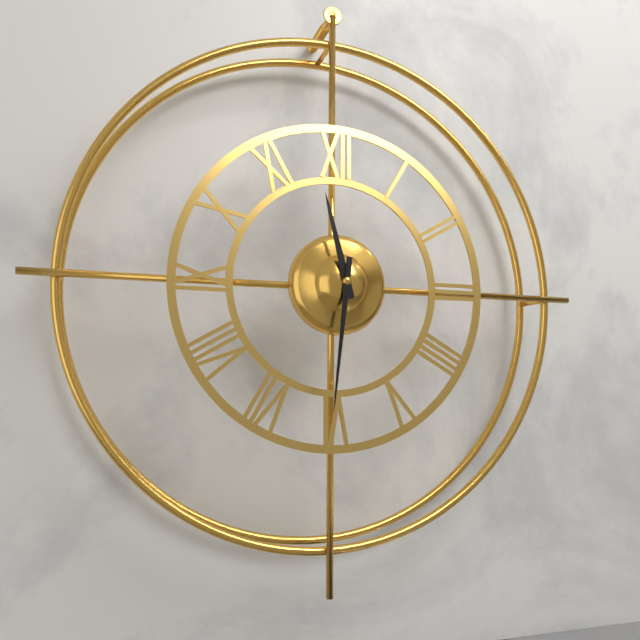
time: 11:31
